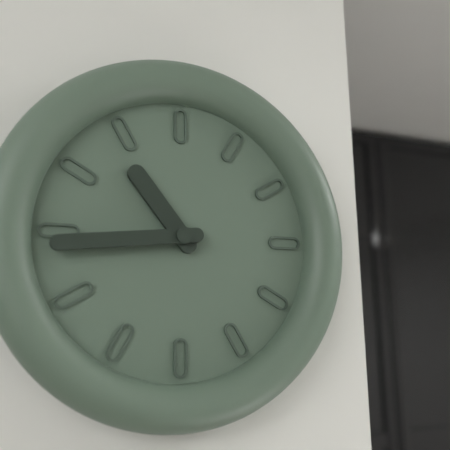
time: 10:44
